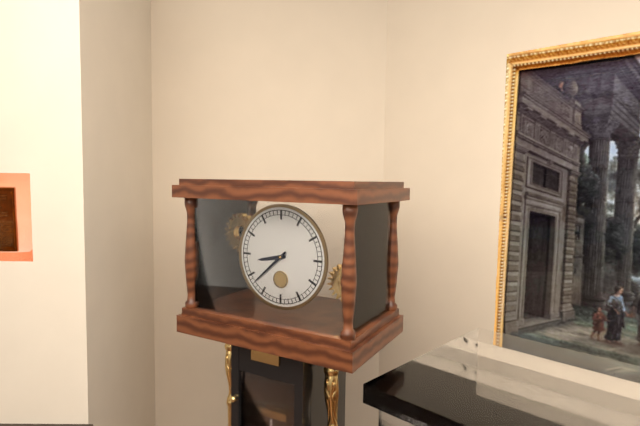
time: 8:38
